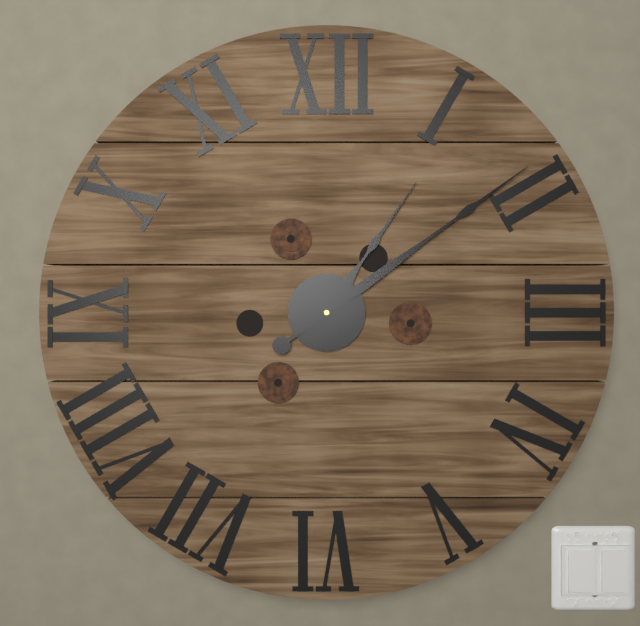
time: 1:09
